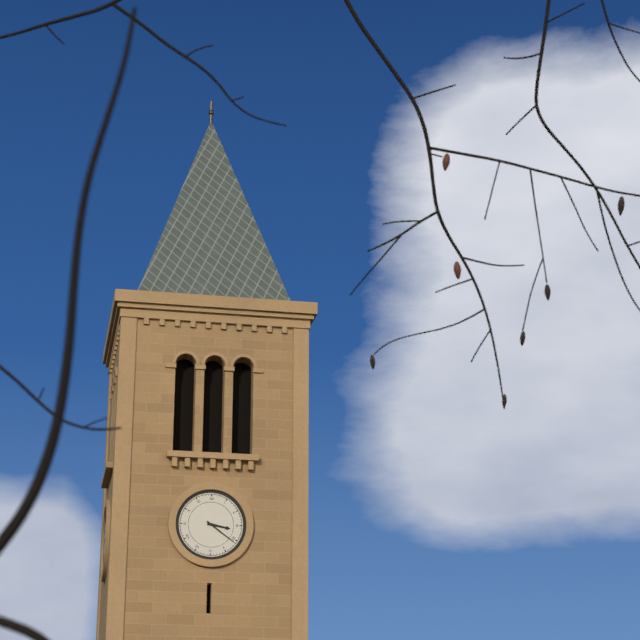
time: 3:21
